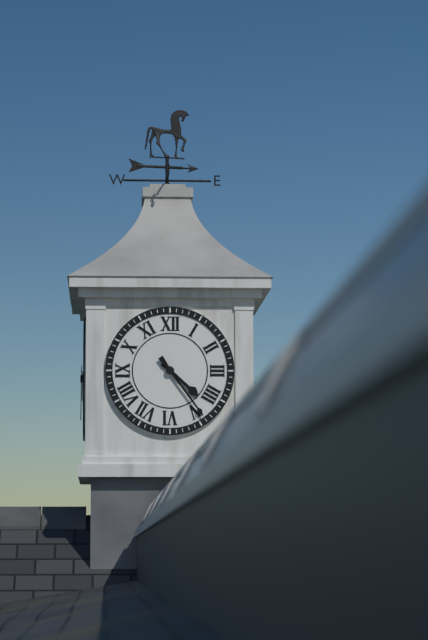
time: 4:24
